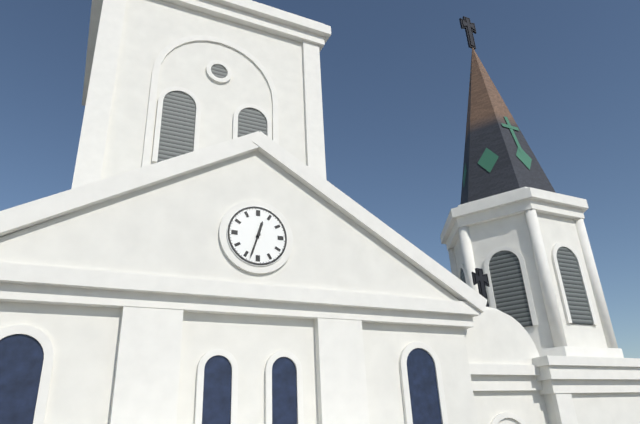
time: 12:33
